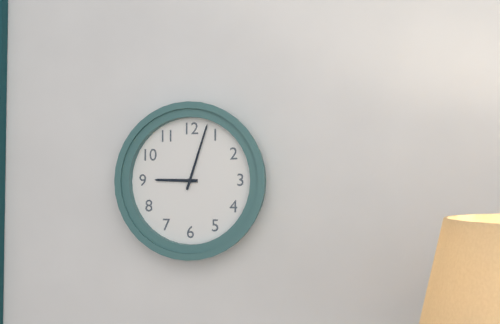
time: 9:03
